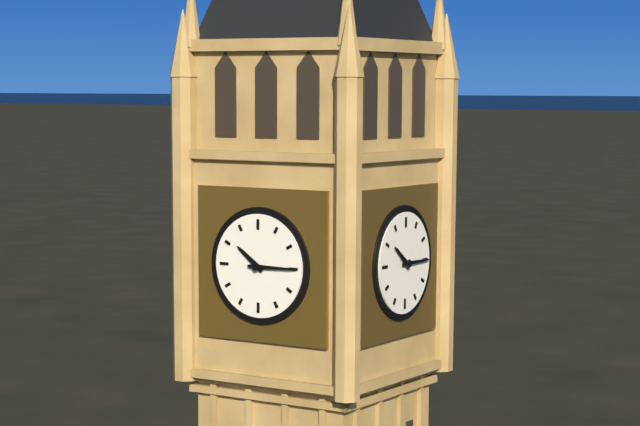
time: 10:15
